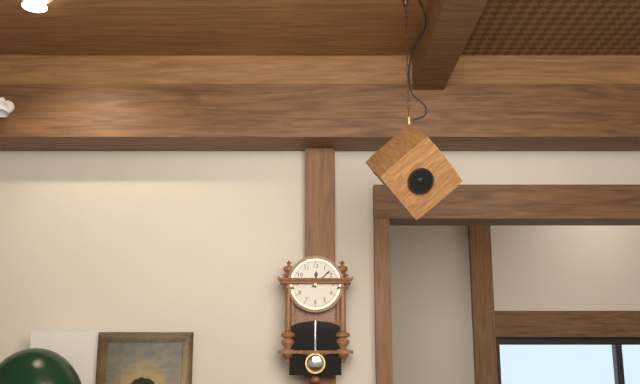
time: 12:08
